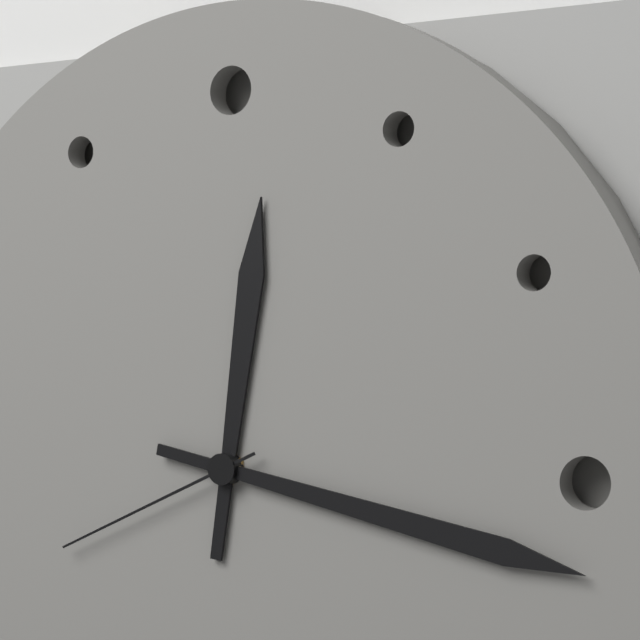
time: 12:17:41
